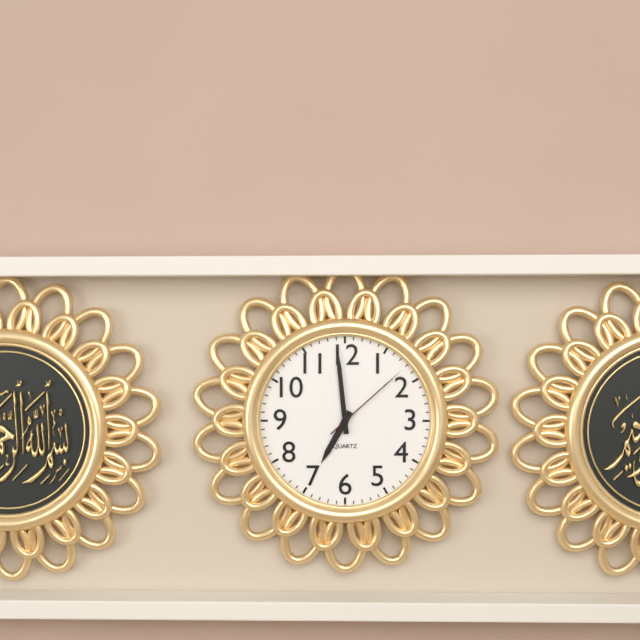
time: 6:59:08
